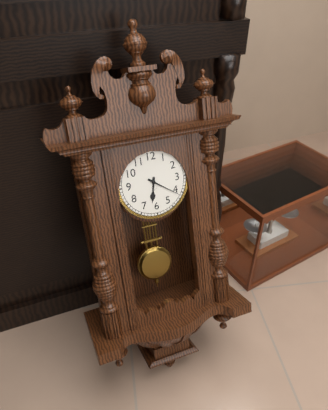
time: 6:21
